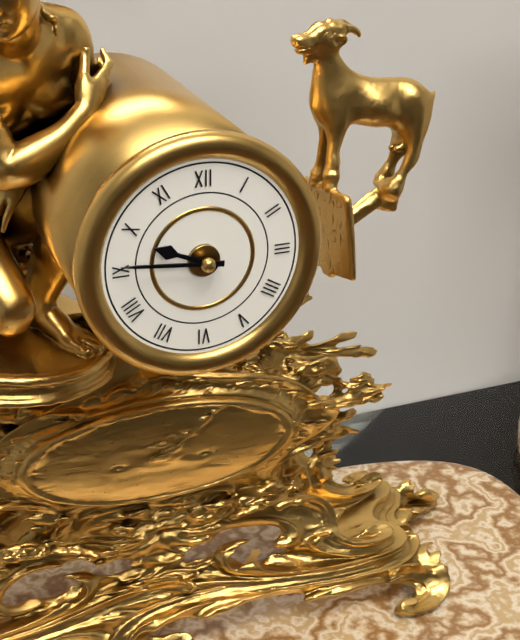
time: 9:46
